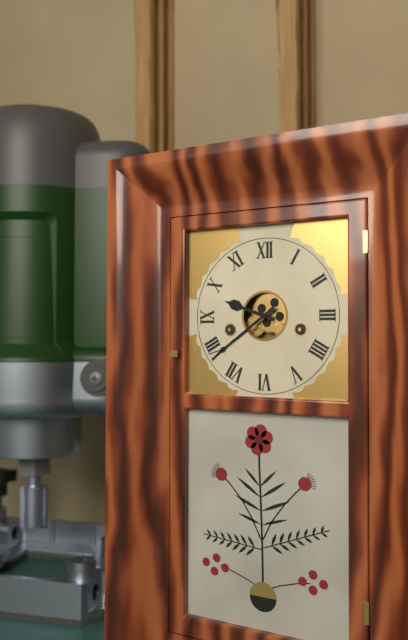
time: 9:39
